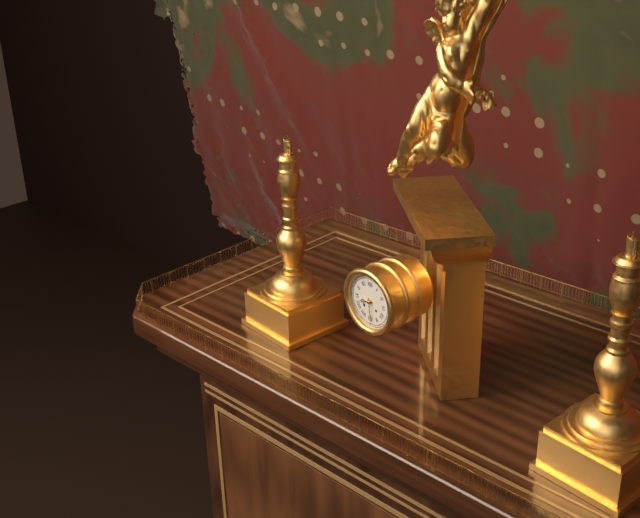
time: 8:29
